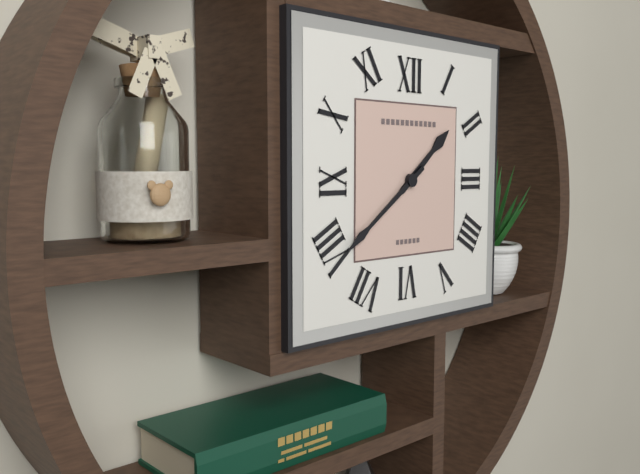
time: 1:39
